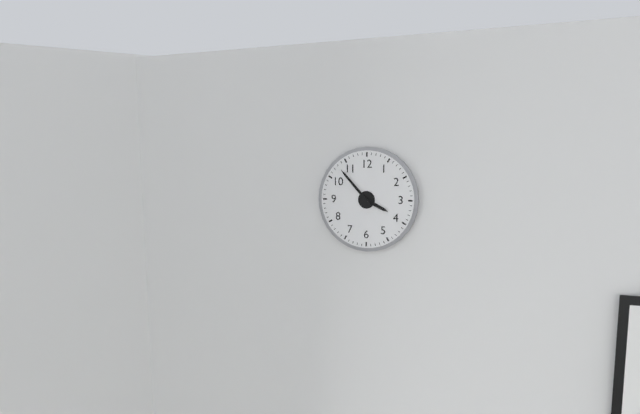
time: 3:53
